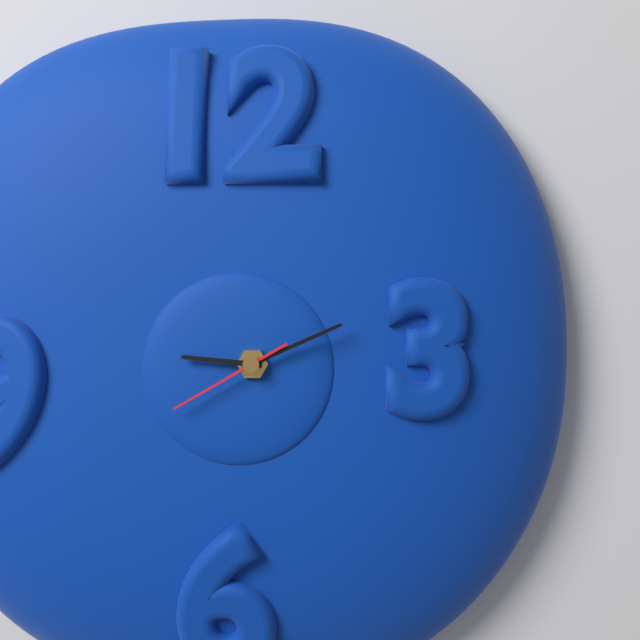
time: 9:11:40
